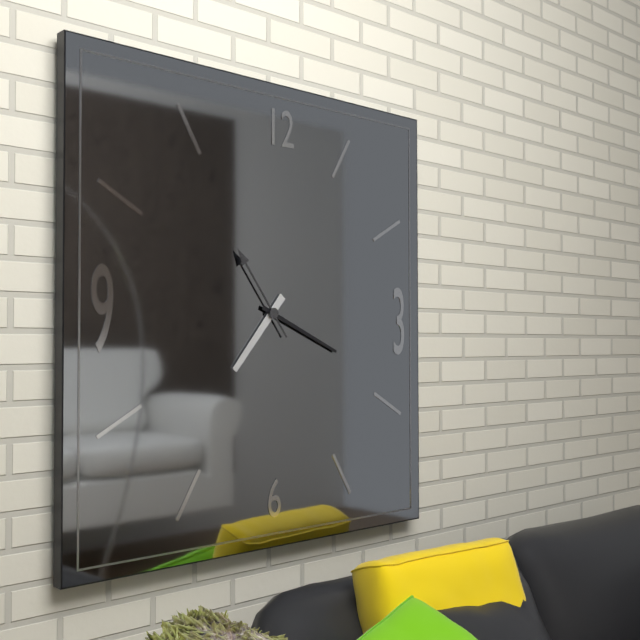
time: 7:19:54
